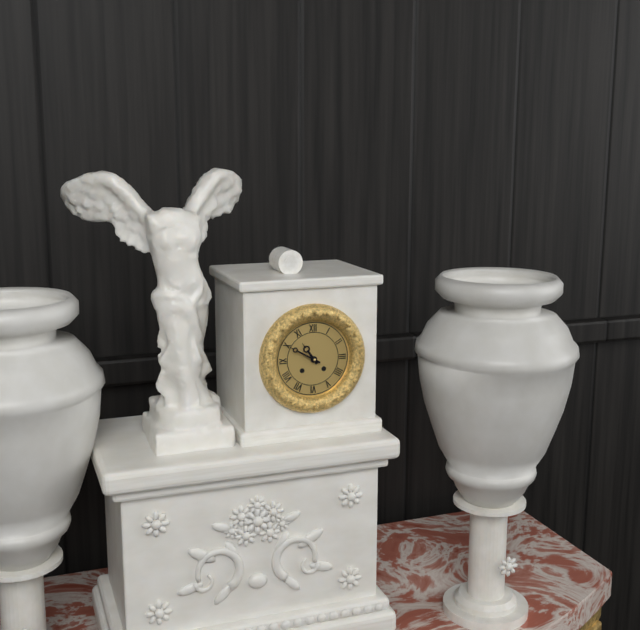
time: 10:50
